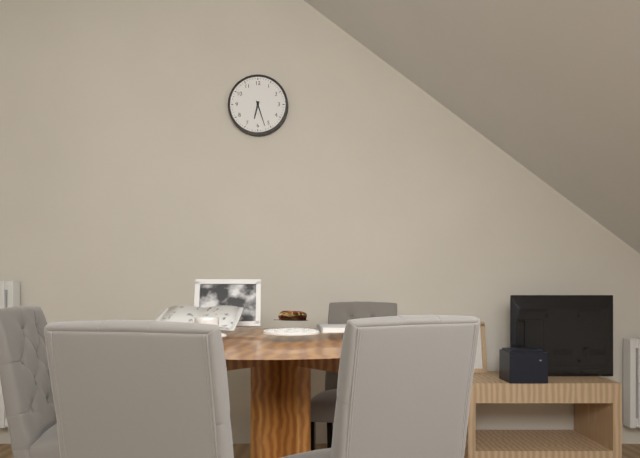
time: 6:27
